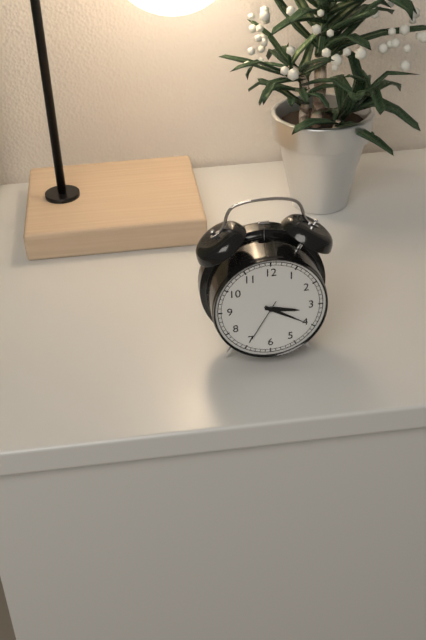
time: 3:20
